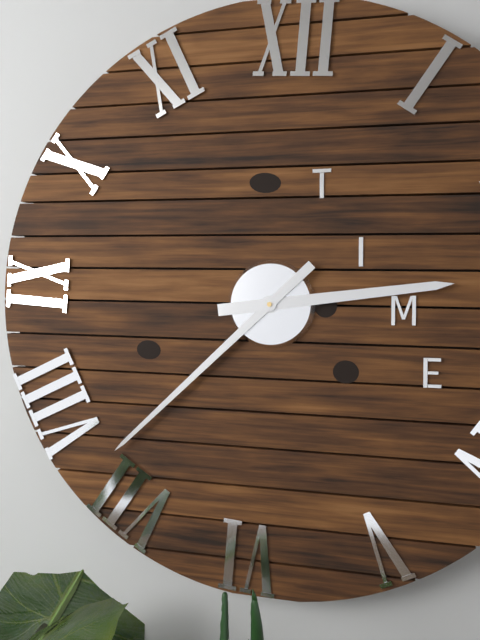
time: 2:37
